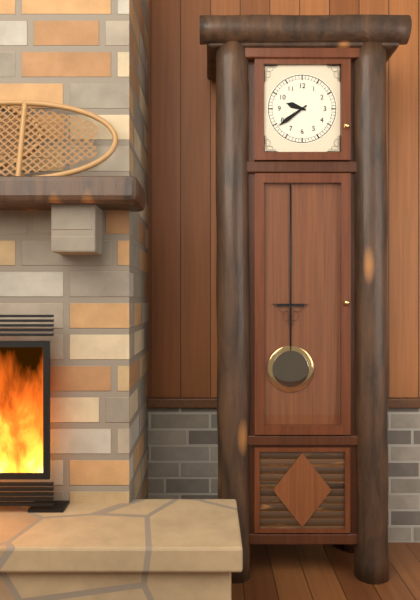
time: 9:39
